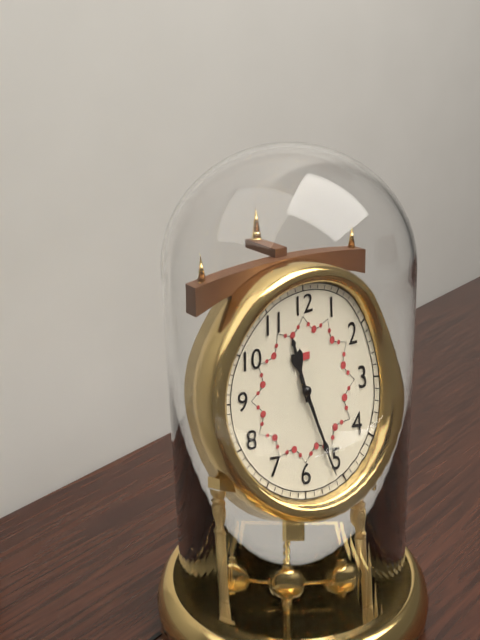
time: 11:26
